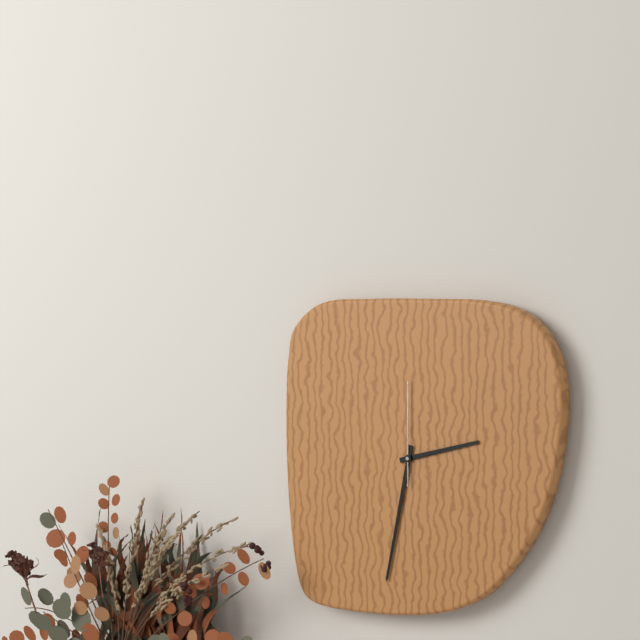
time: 2:32:00
